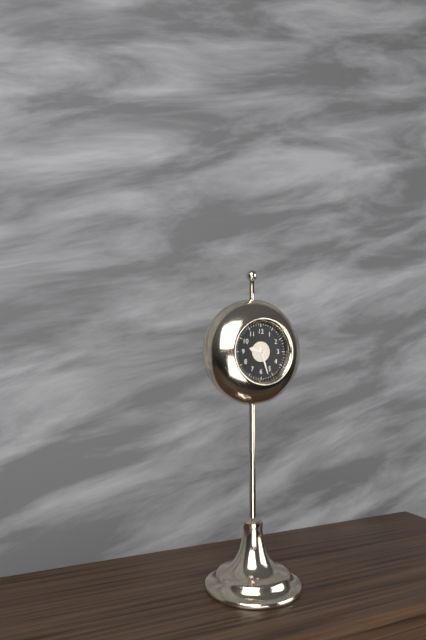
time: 9:27
